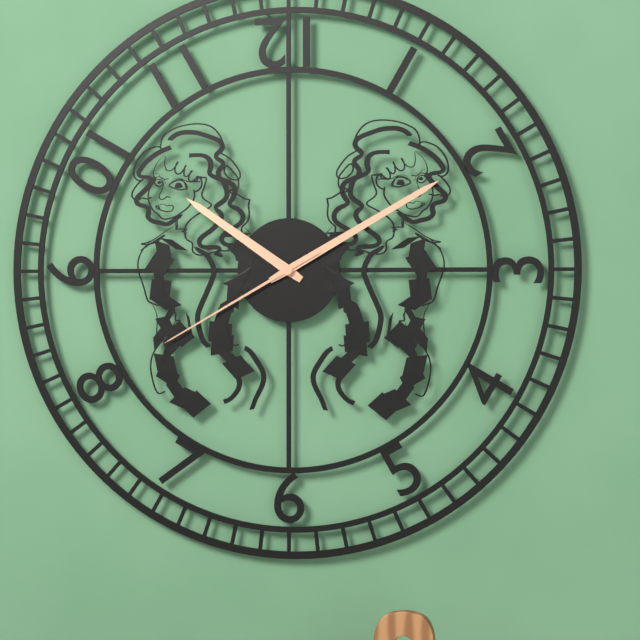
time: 10:10:40
